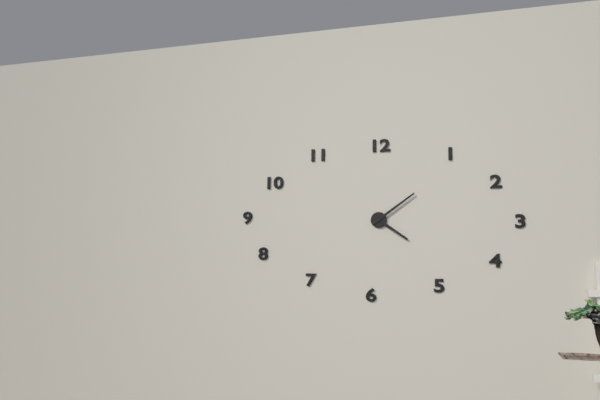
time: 4:09
